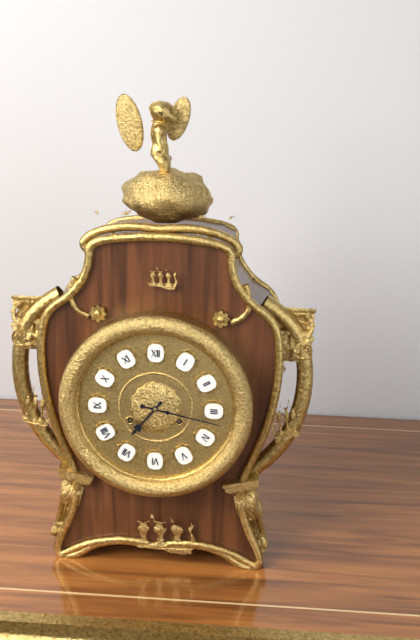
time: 7:17
